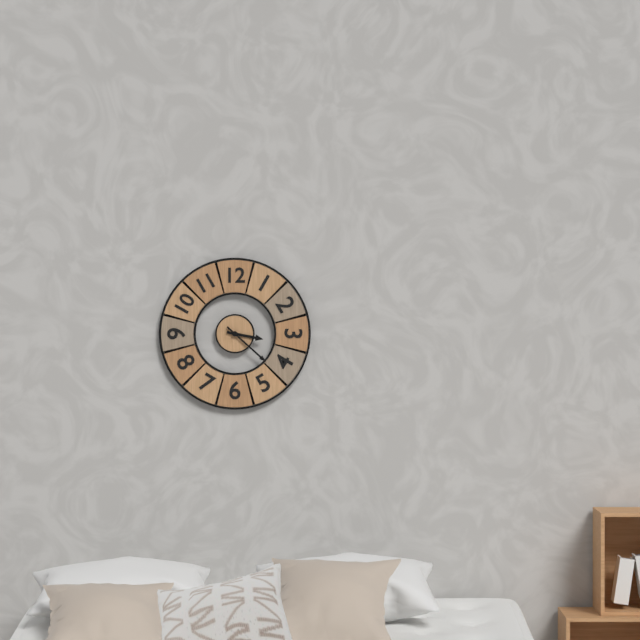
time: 3:22
